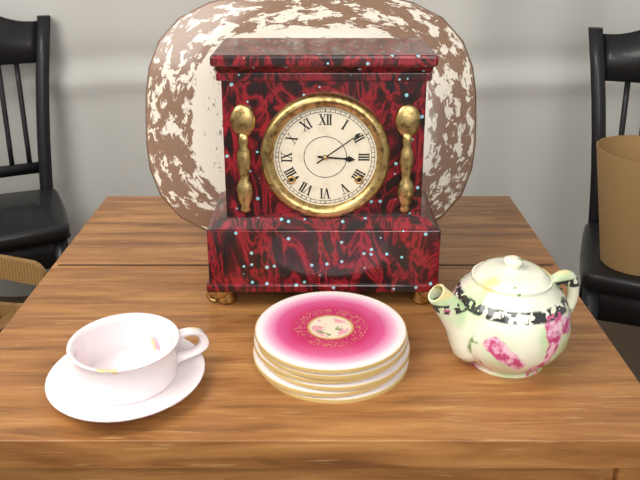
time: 3:09
